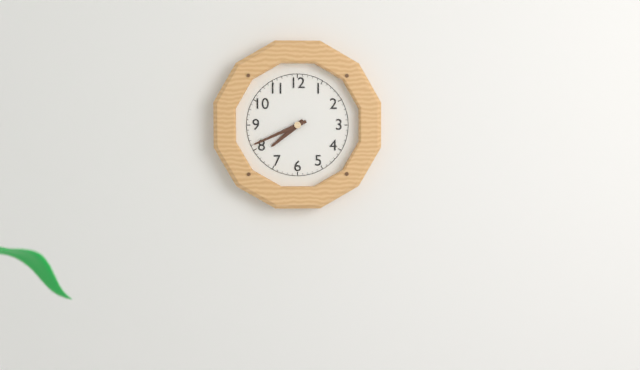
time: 7:41
